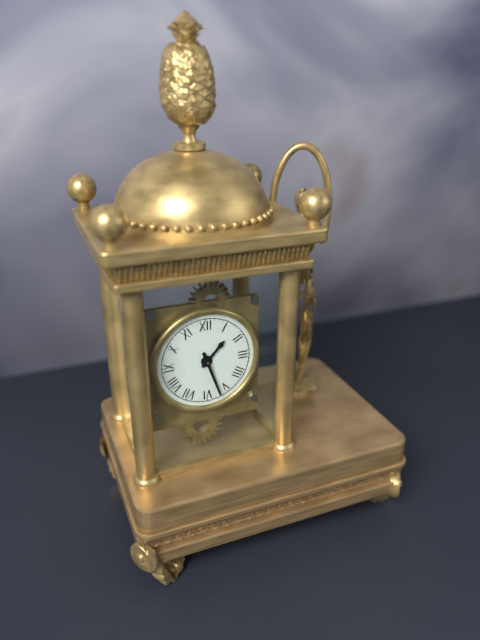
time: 1:27
